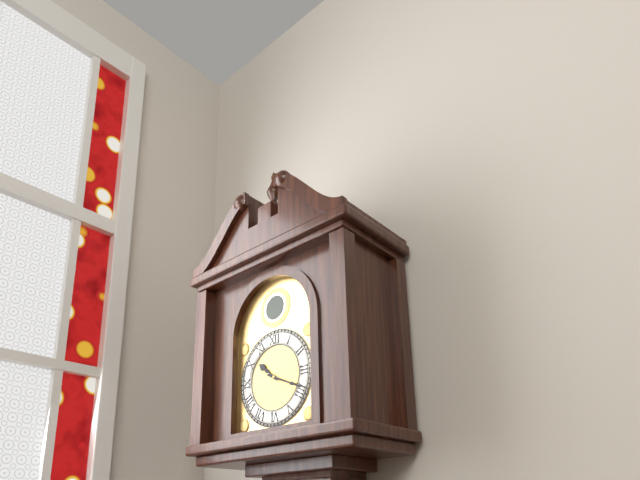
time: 10:19
